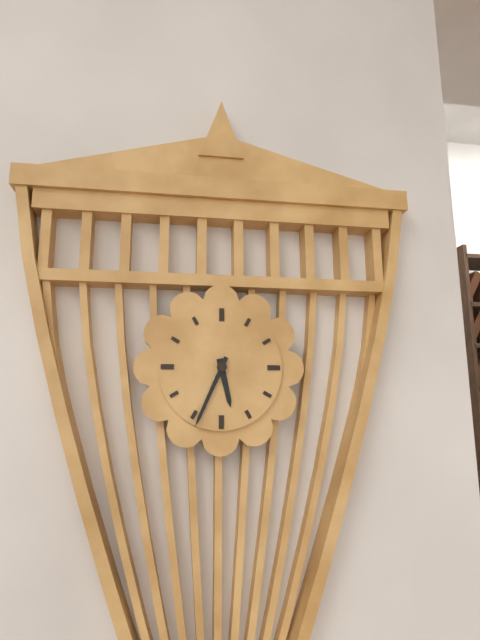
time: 5:34
